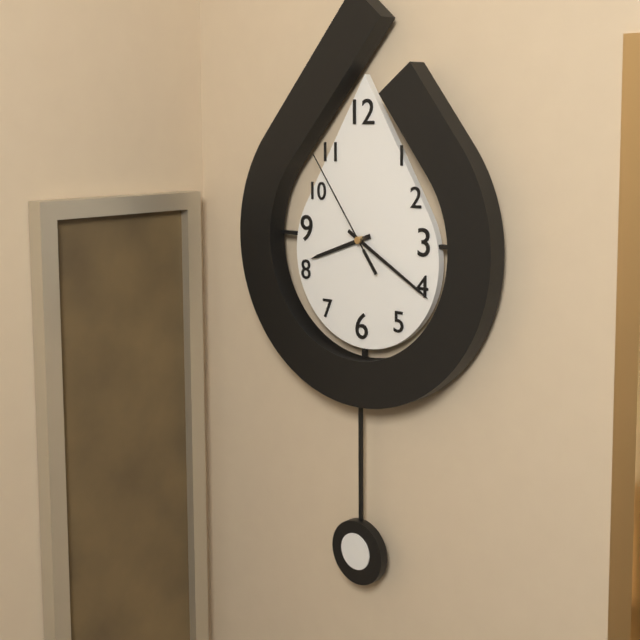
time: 8:20:54
